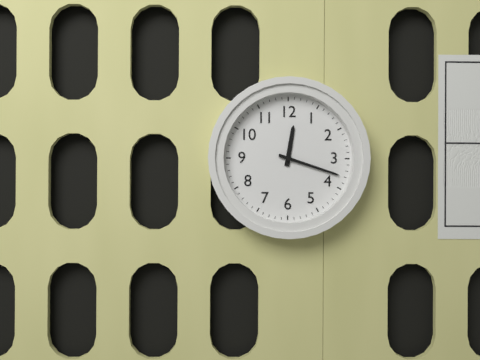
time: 12:18
